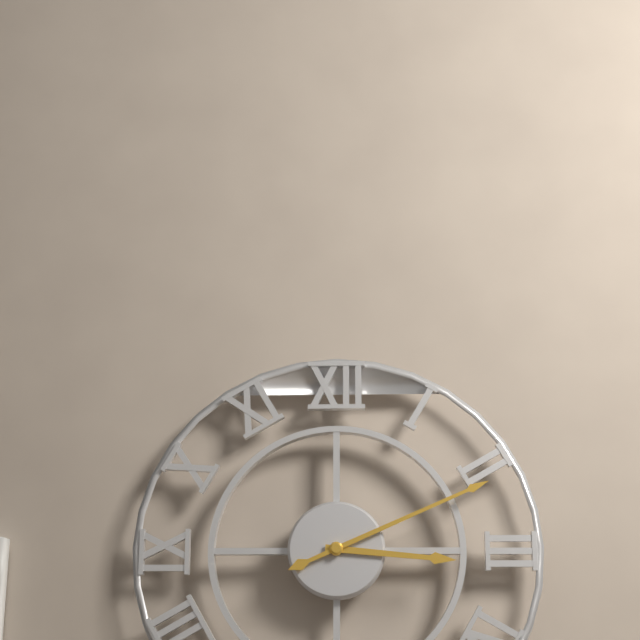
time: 3:11
